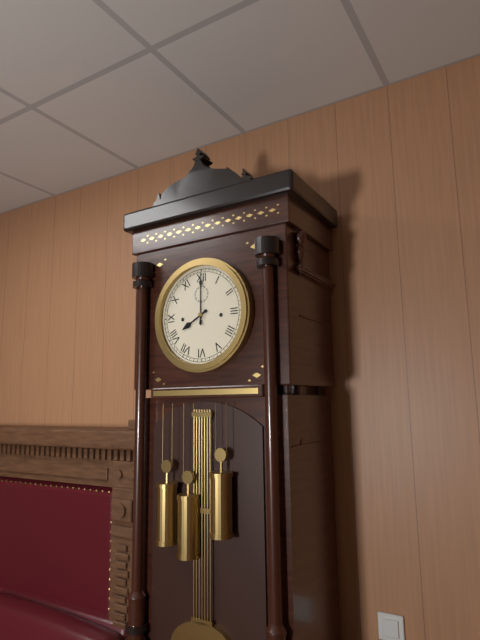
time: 8:00
